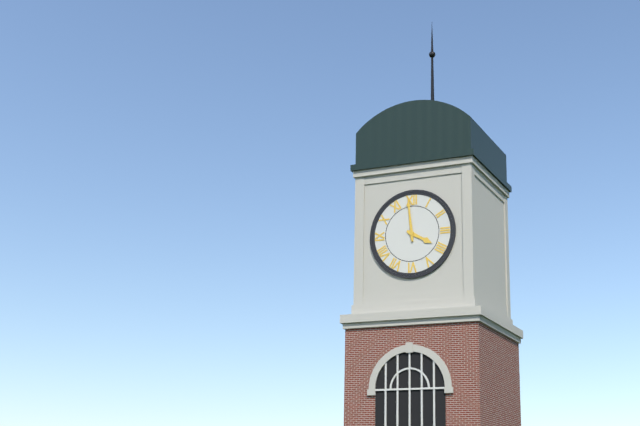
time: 3:59
